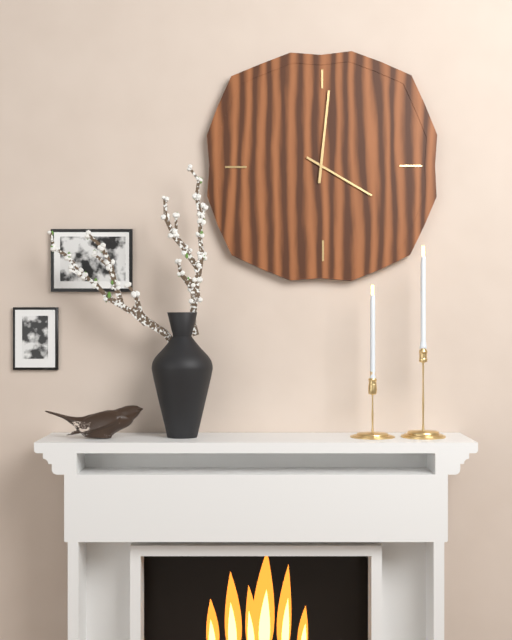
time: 4:01
